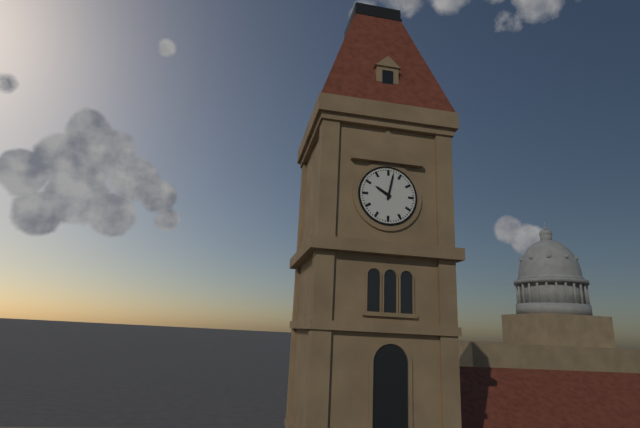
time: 10:02
